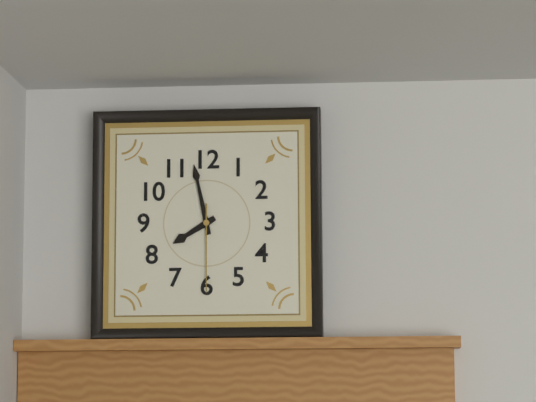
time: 7:58:30
